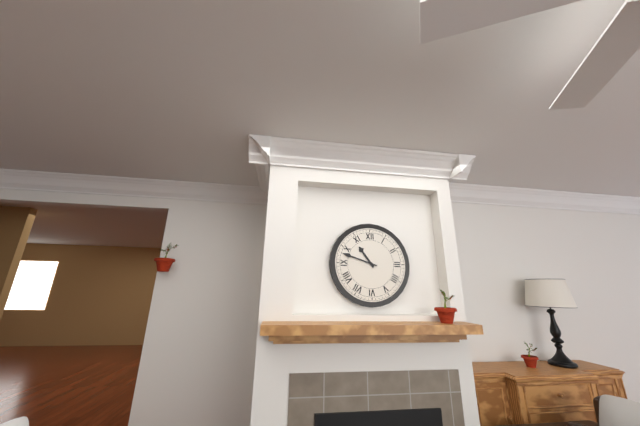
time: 10:48
